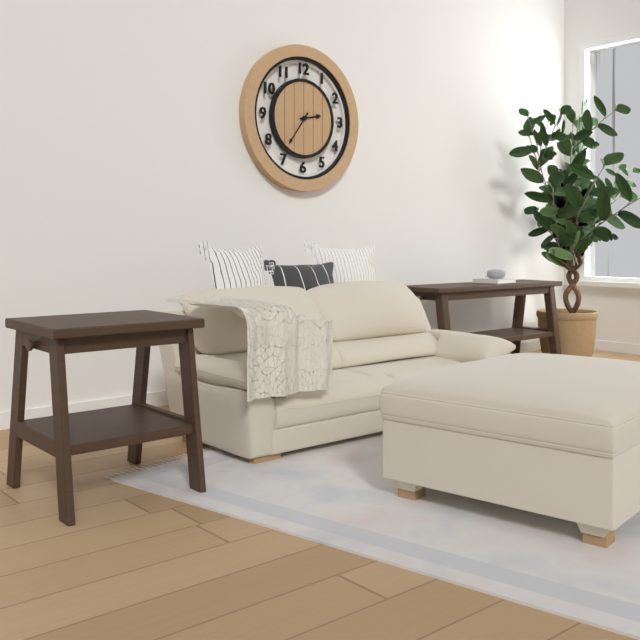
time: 2:36
